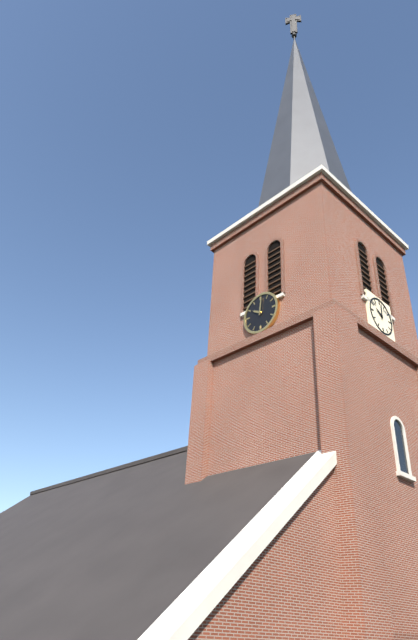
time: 10:01
